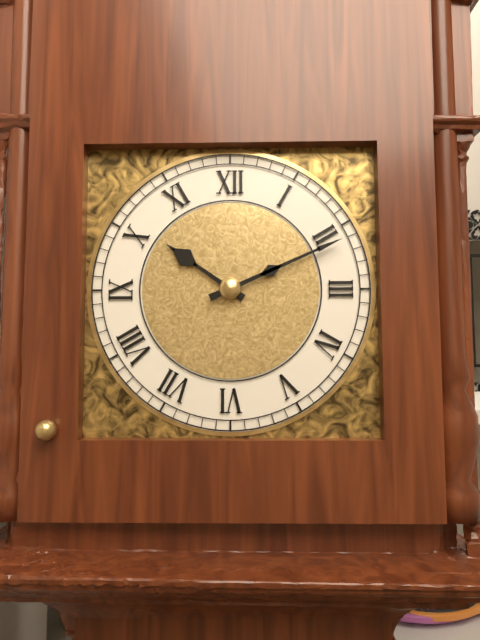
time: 10:11
